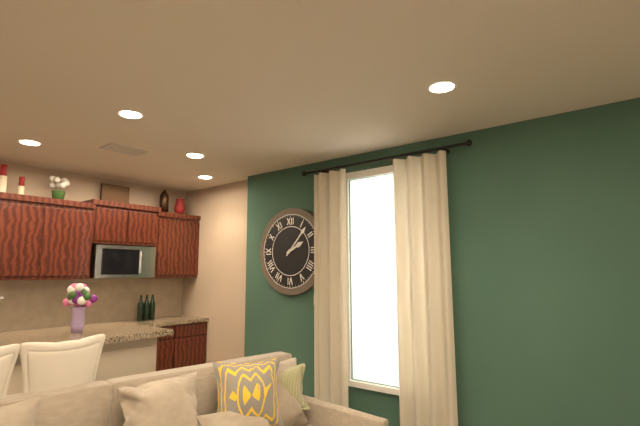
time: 2:07
